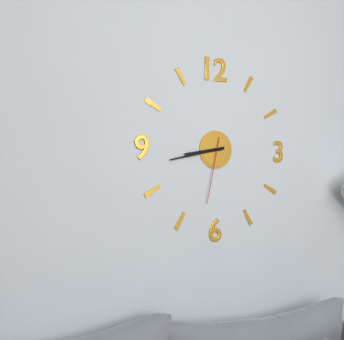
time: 8:43:32
